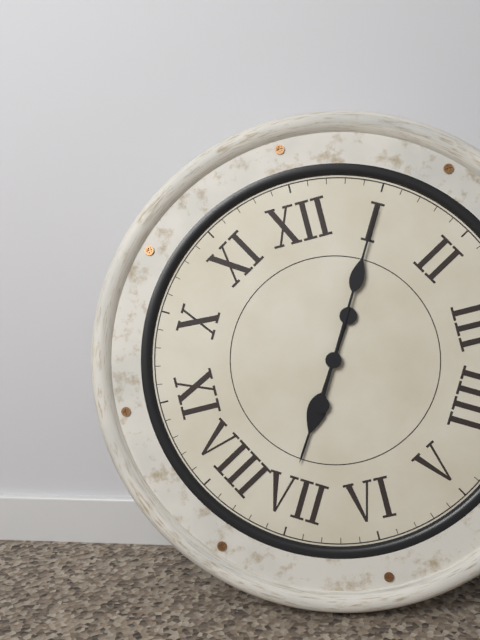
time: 7:05
